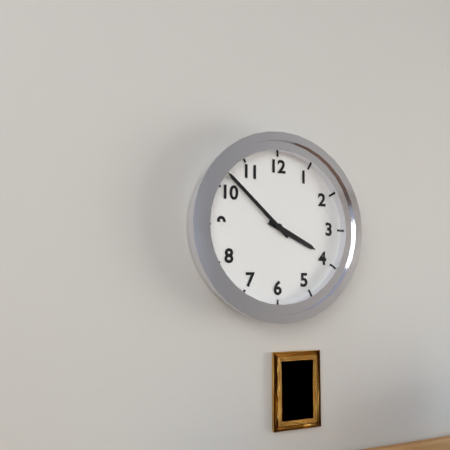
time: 3:52
